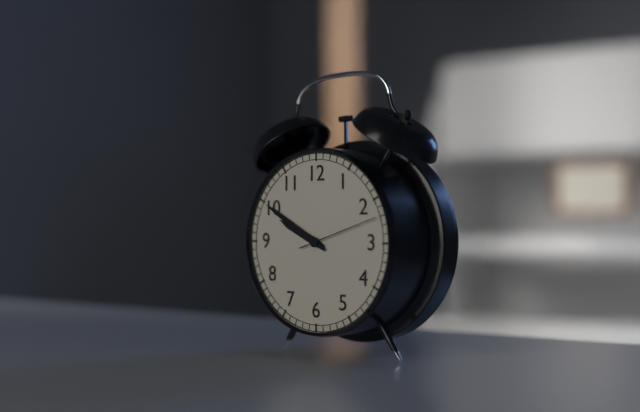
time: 9:50:12
